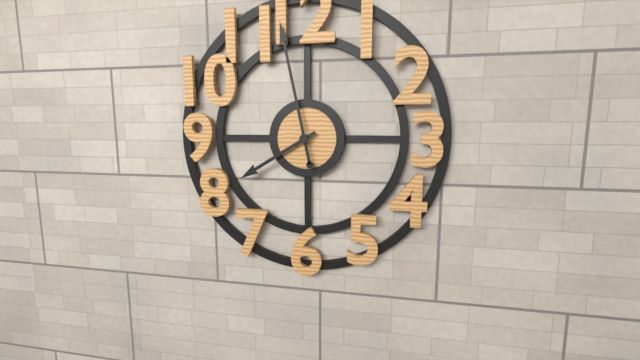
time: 7:58
